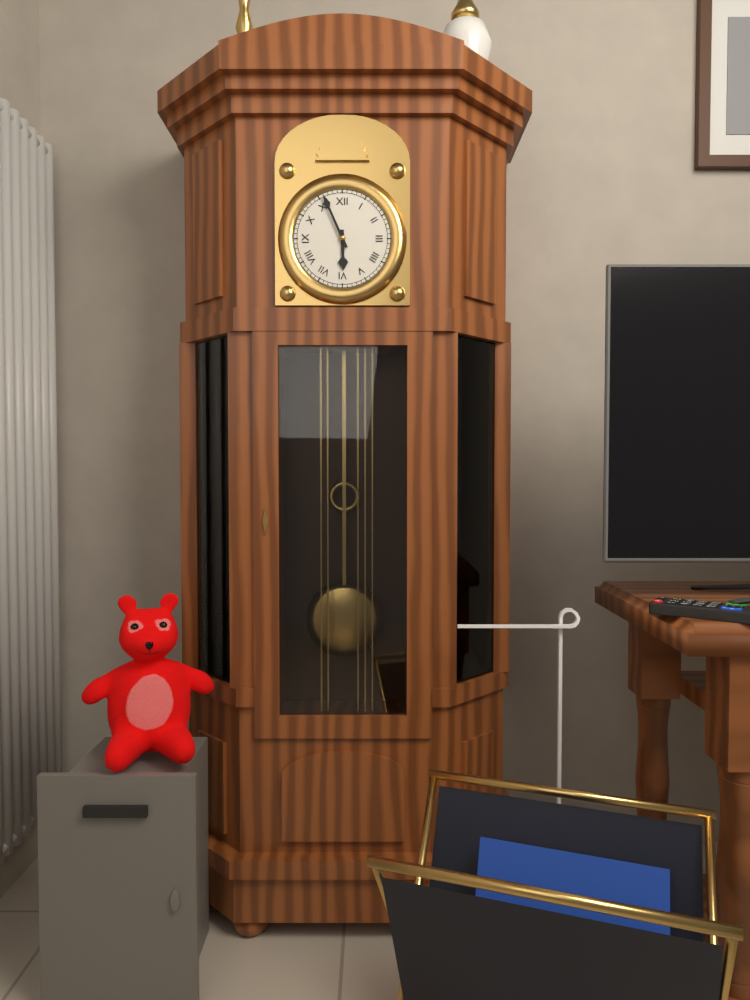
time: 5:56
